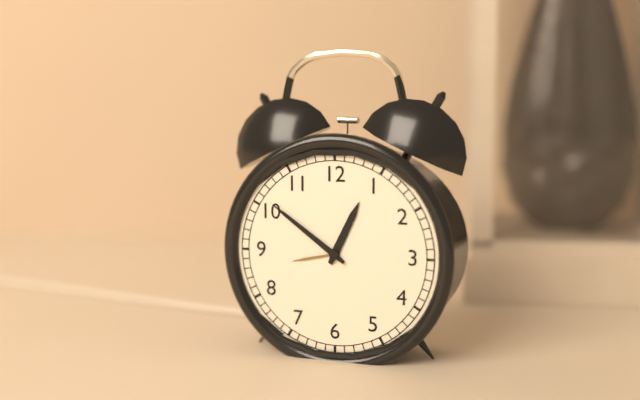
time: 12:51
